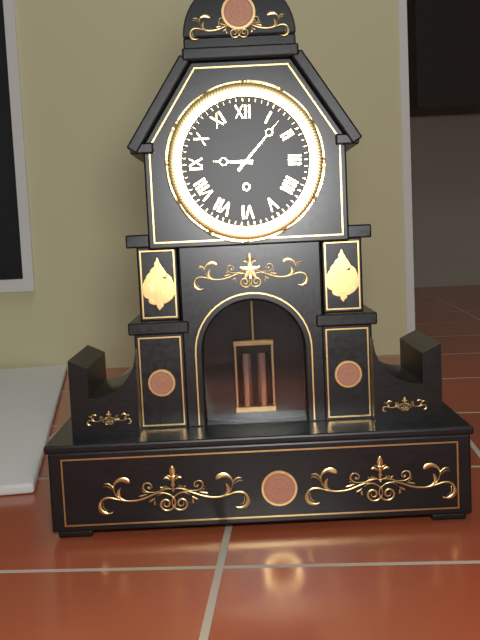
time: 9:07
